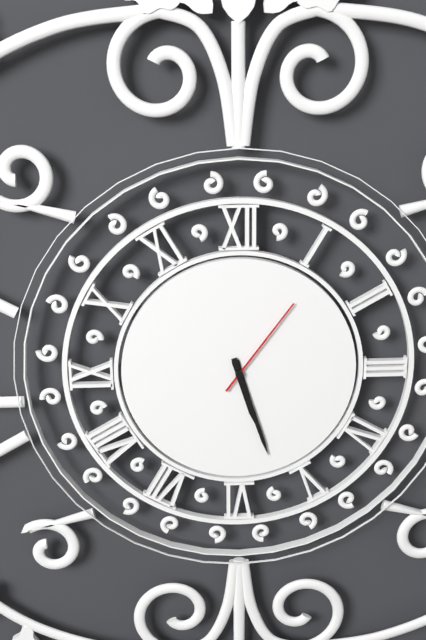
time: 5:27:06
